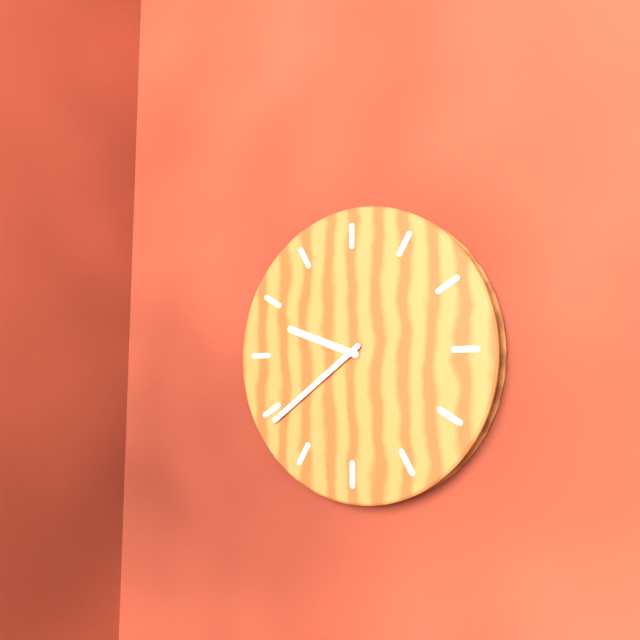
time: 9:39
